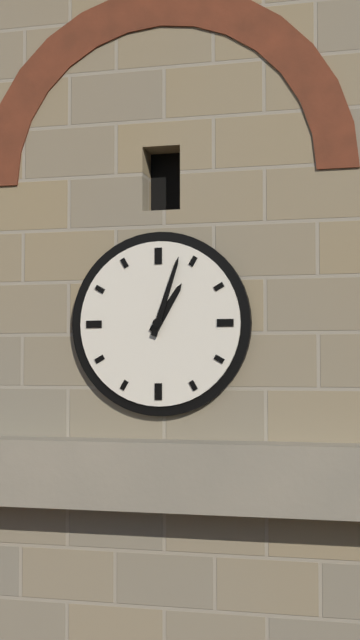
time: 1:03
